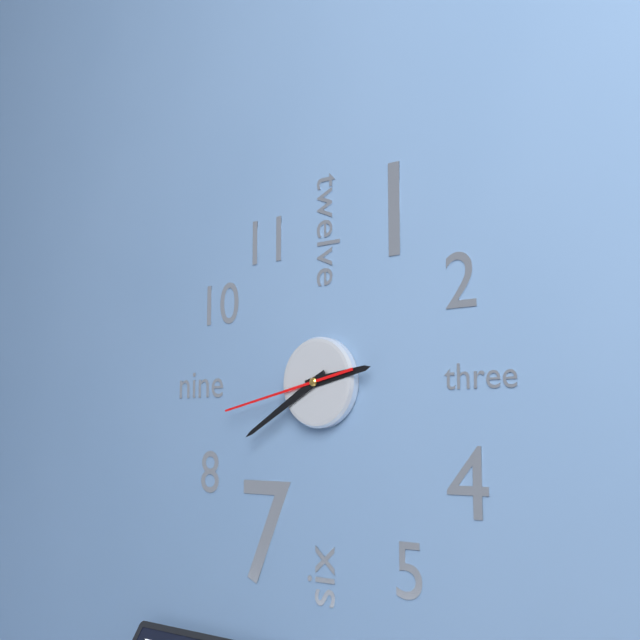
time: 2:40:43
